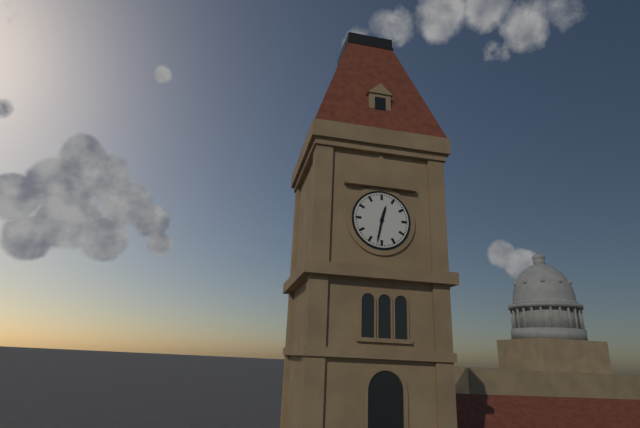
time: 12:32
